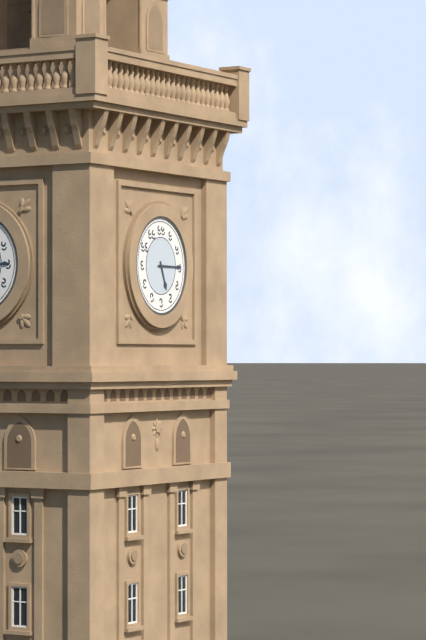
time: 5:15
